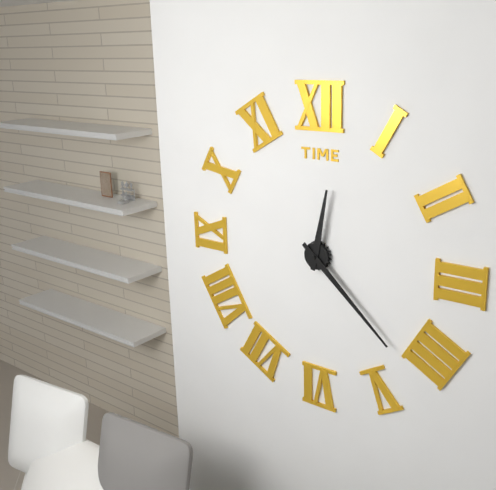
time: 12:22
